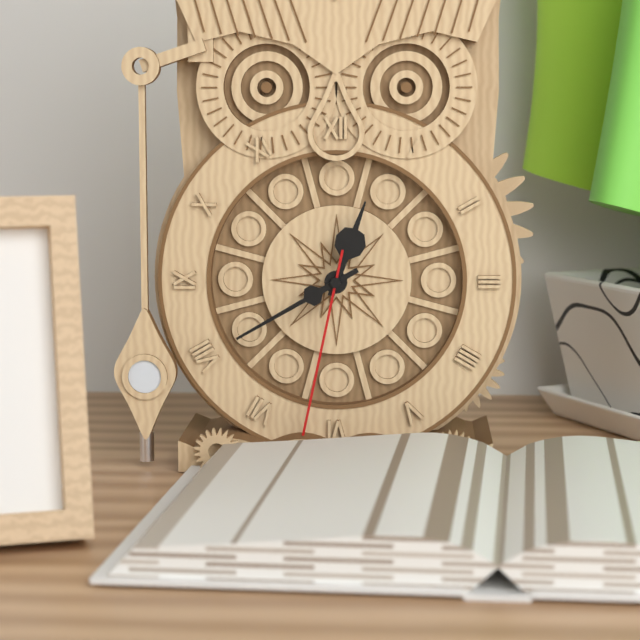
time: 12:40:32
